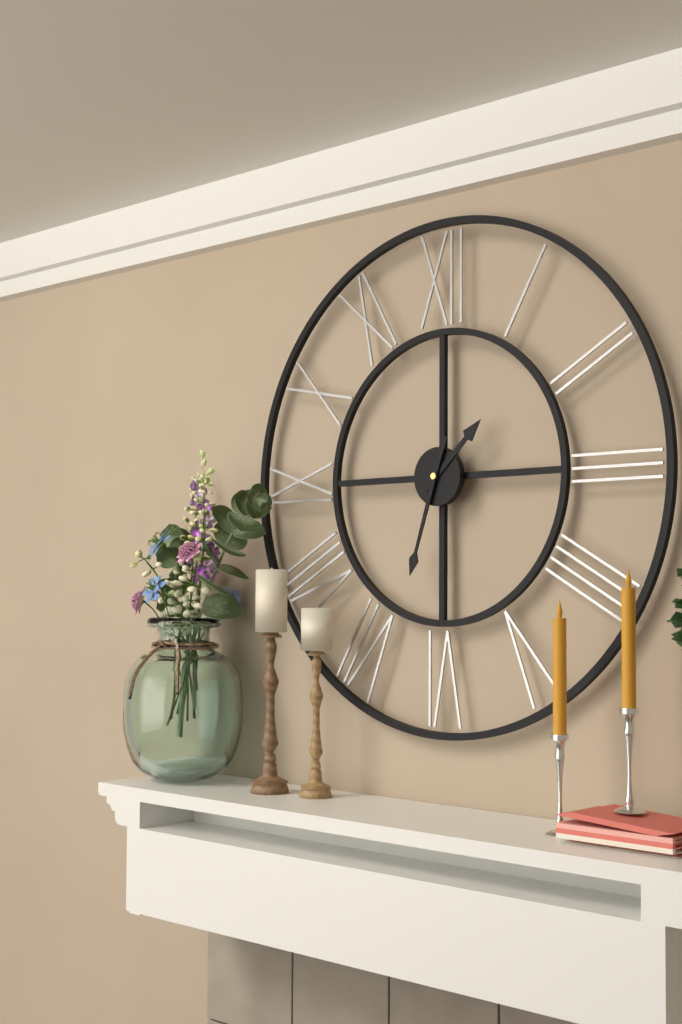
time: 1:33
